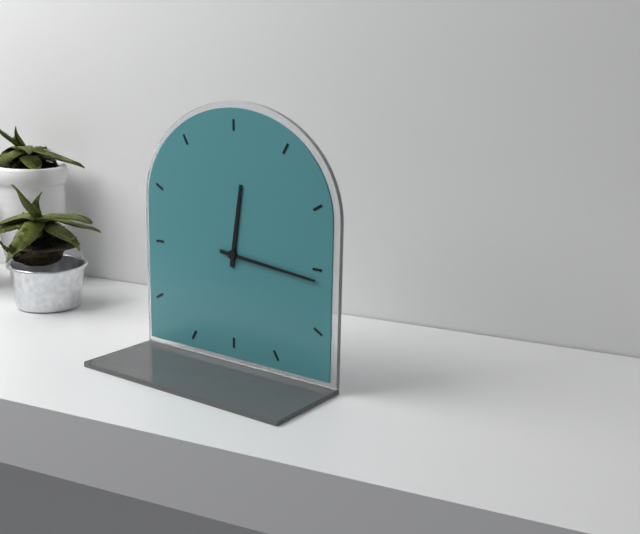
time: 12:16
